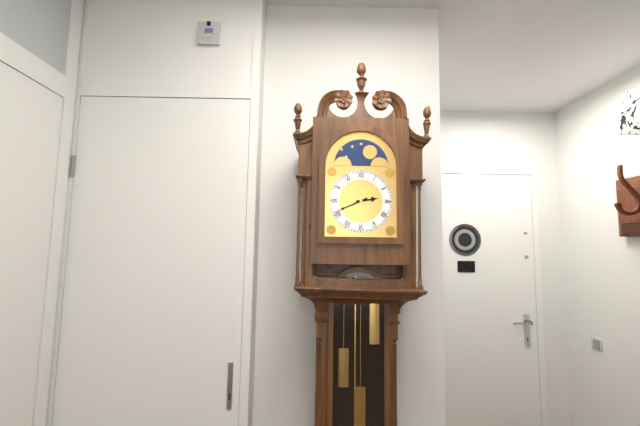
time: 2:41
